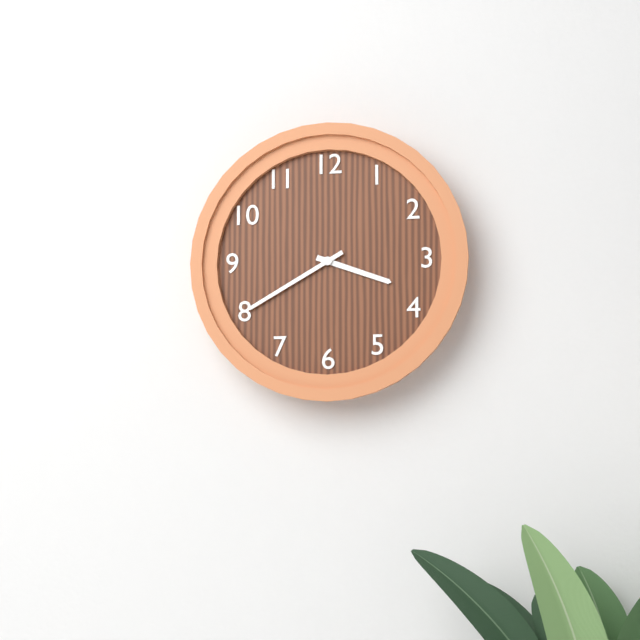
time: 3:40
